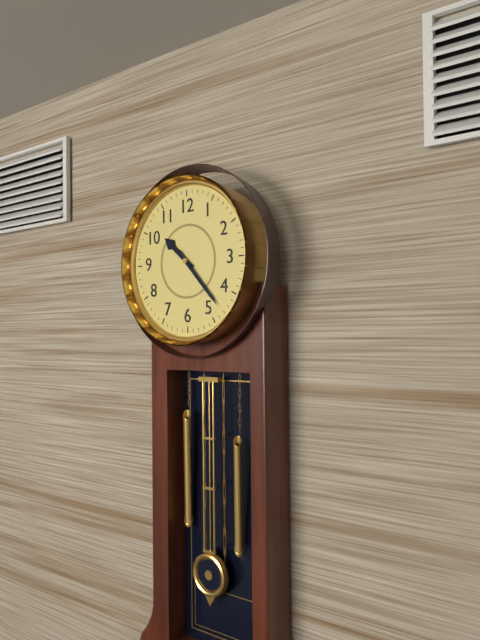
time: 10:23
